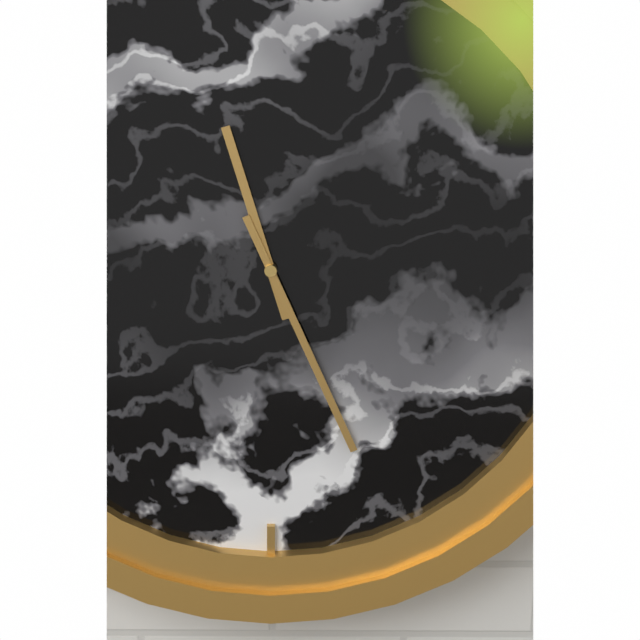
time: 11:26
